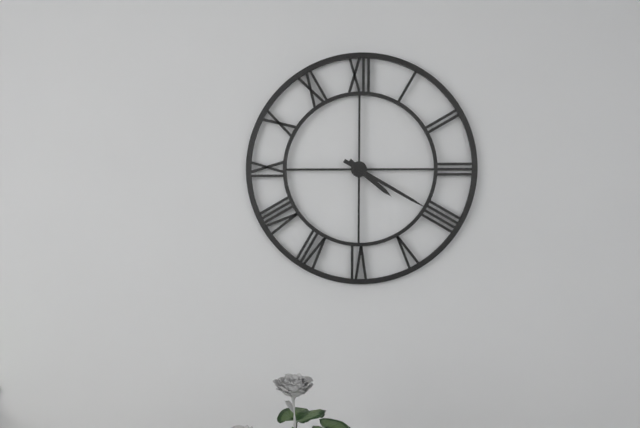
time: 4:20
